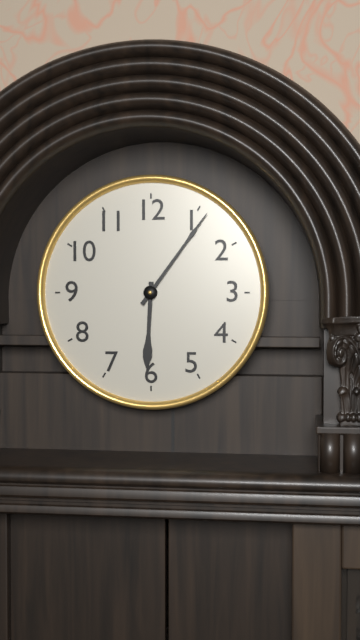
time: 6:06
